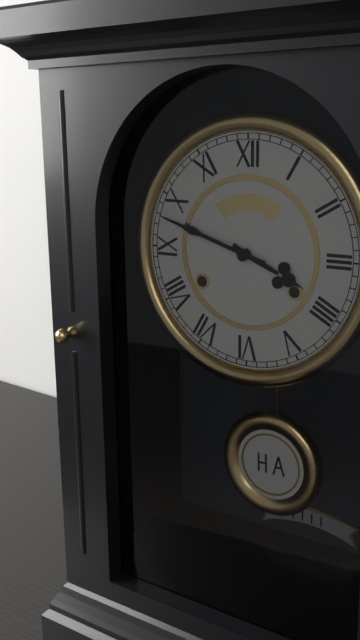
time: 3:48
